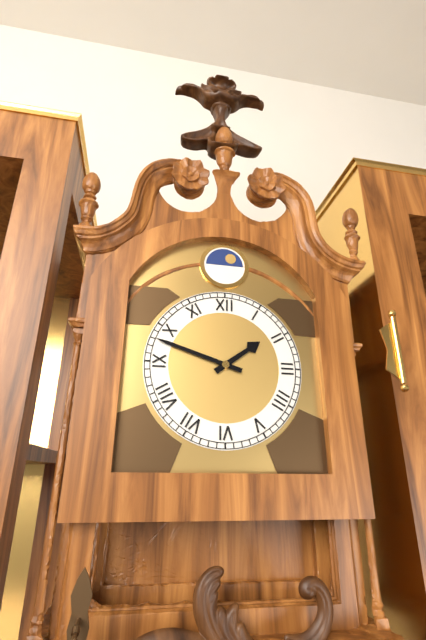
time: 1:48
